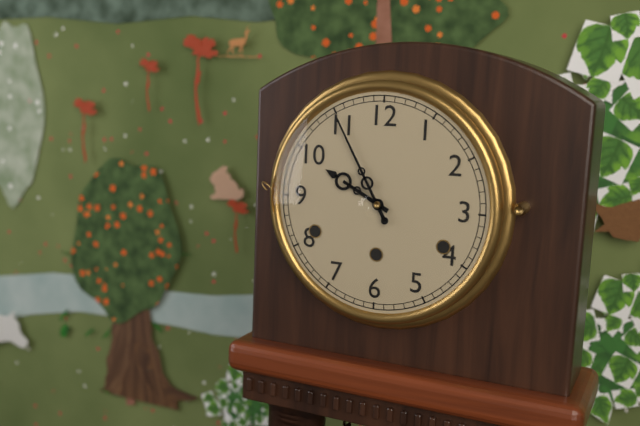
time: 9:55
